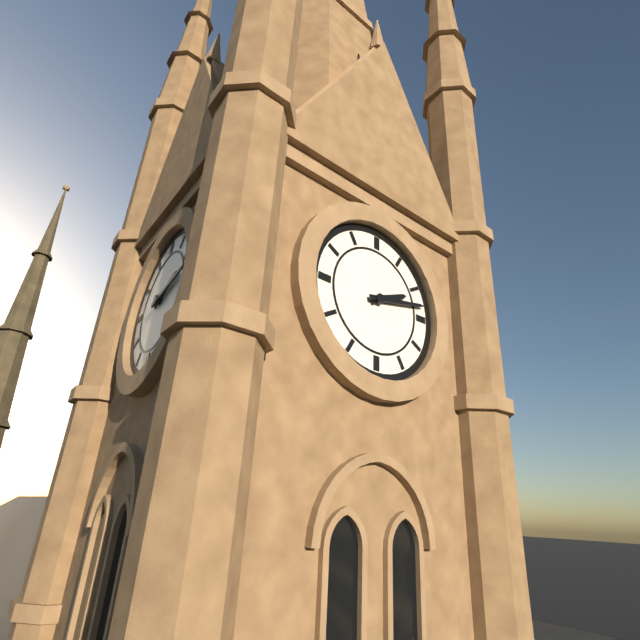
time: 2:13
